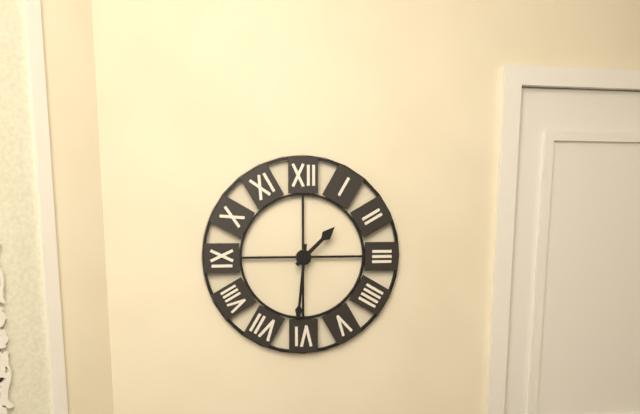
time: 1:31
